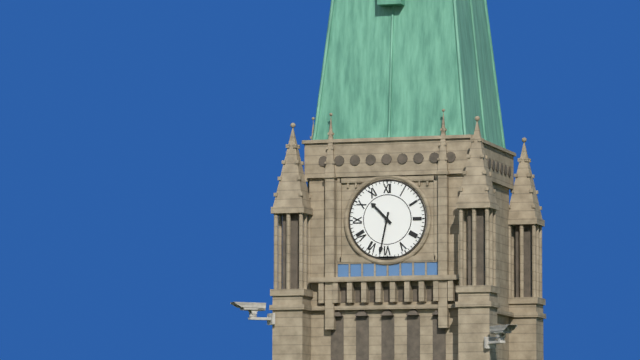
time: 10:32
